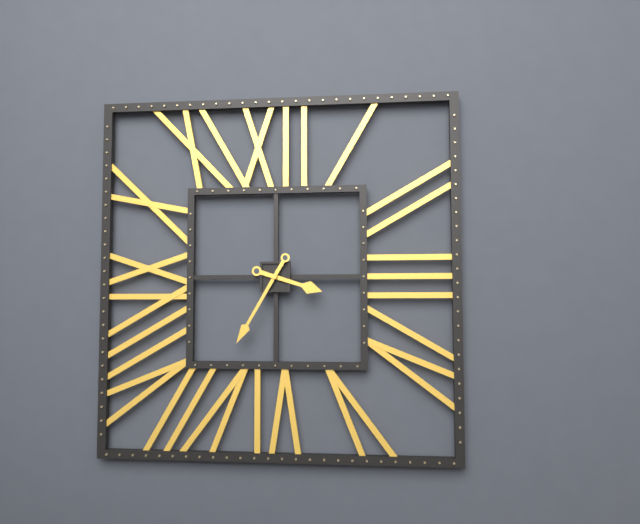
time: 3:35
